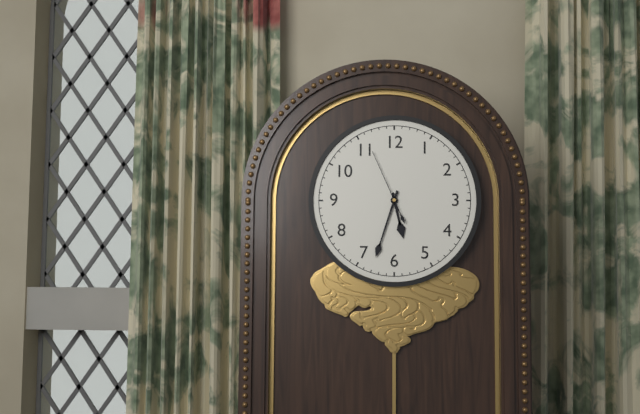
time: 5:33:56
